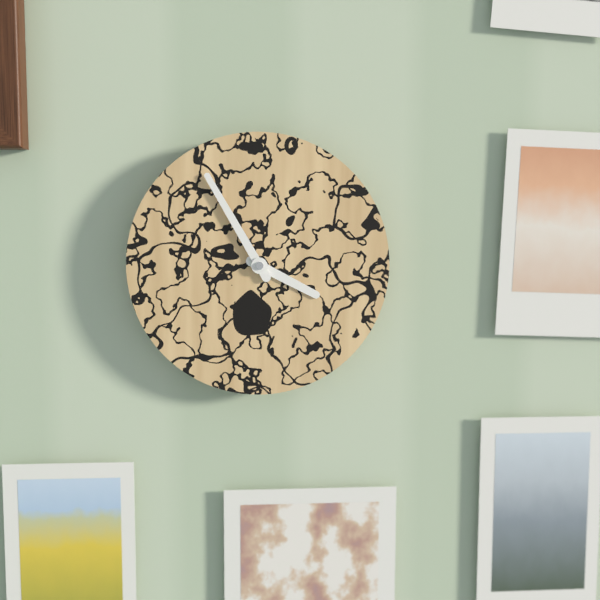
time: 3:55
